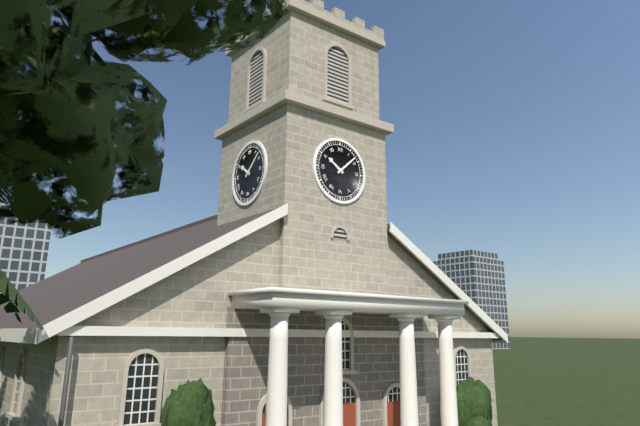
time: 10:08
